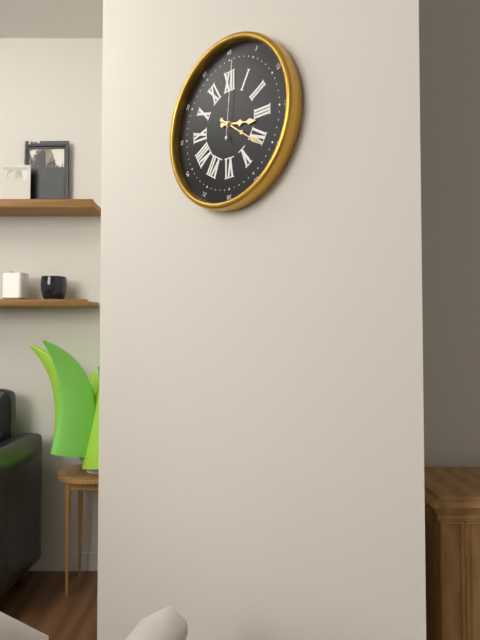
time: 3:21:01
